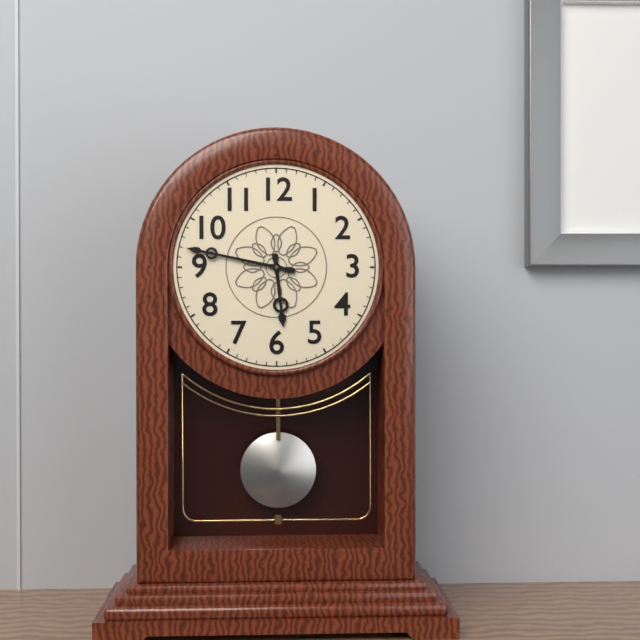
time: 5:47
